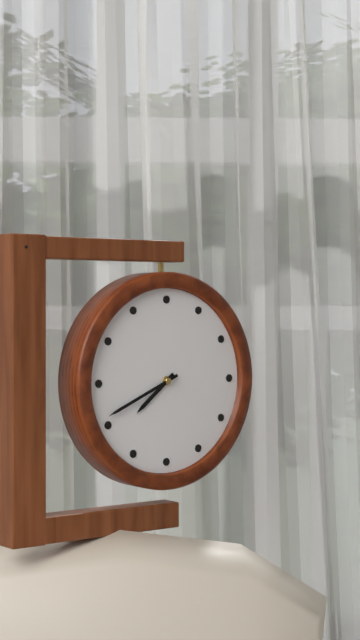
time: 7:41
